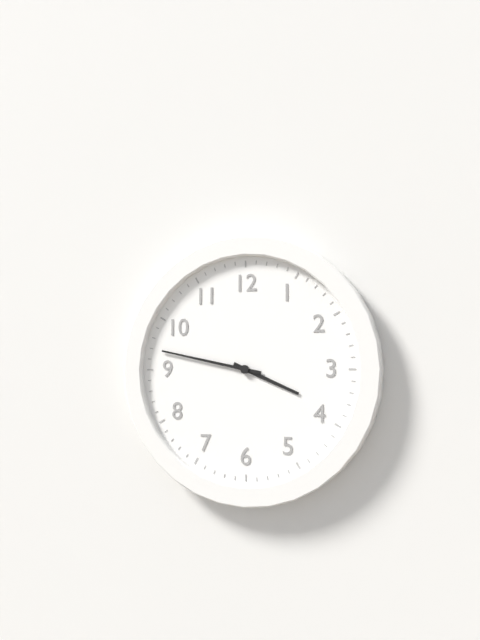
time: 3:47
